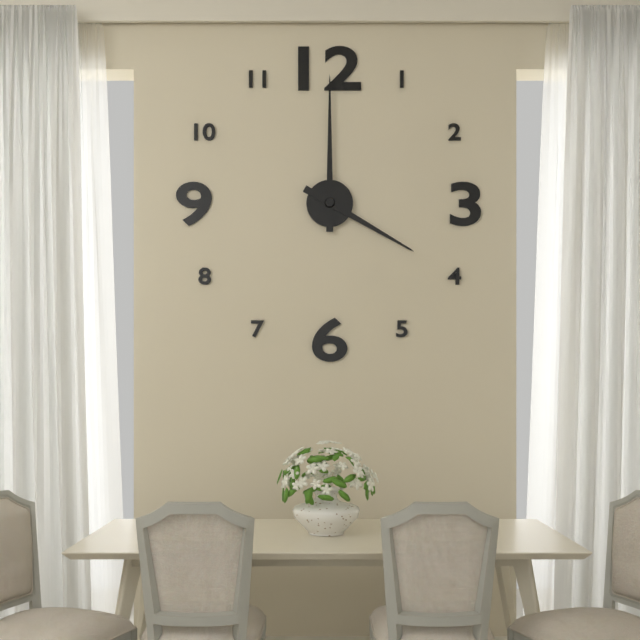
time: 4:00
